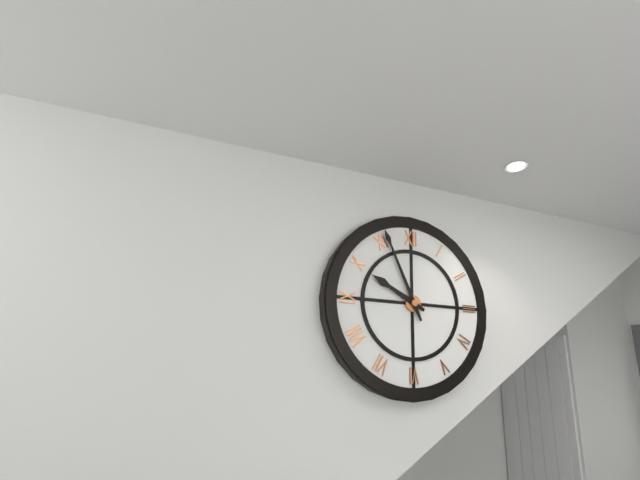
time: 9:56
